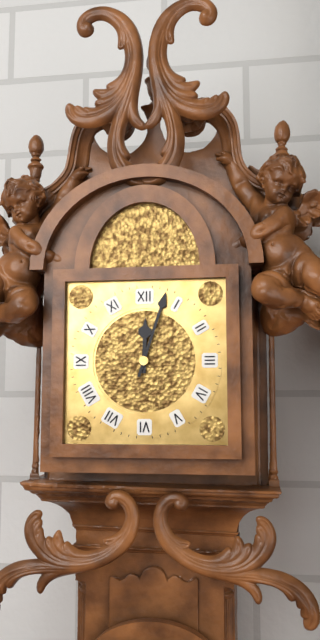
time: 12:03
